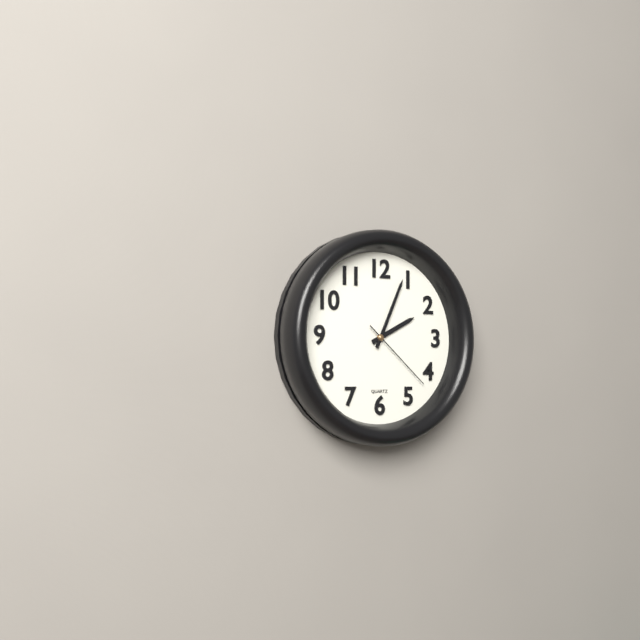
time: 2:04:22
